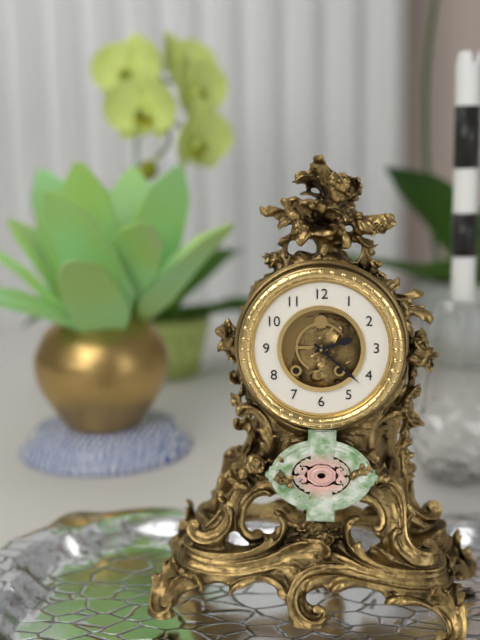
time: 2:22
